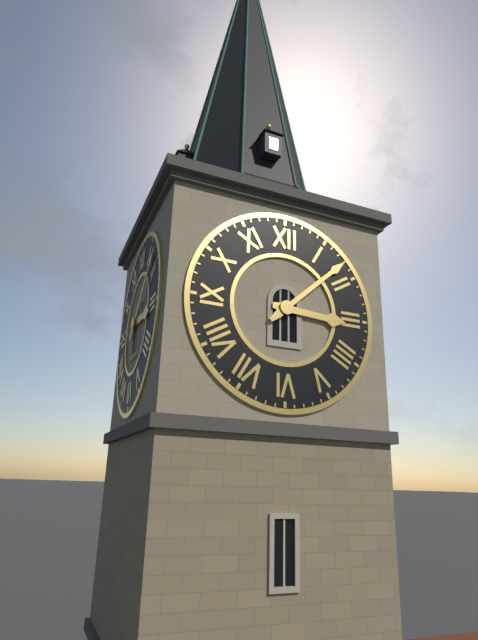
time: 3:08
